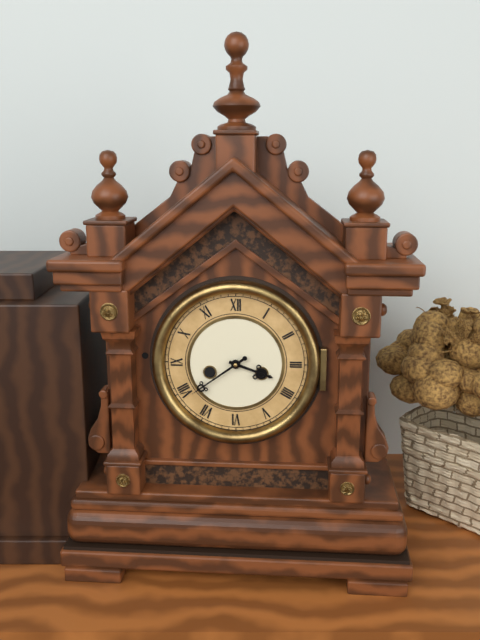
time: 3:39
